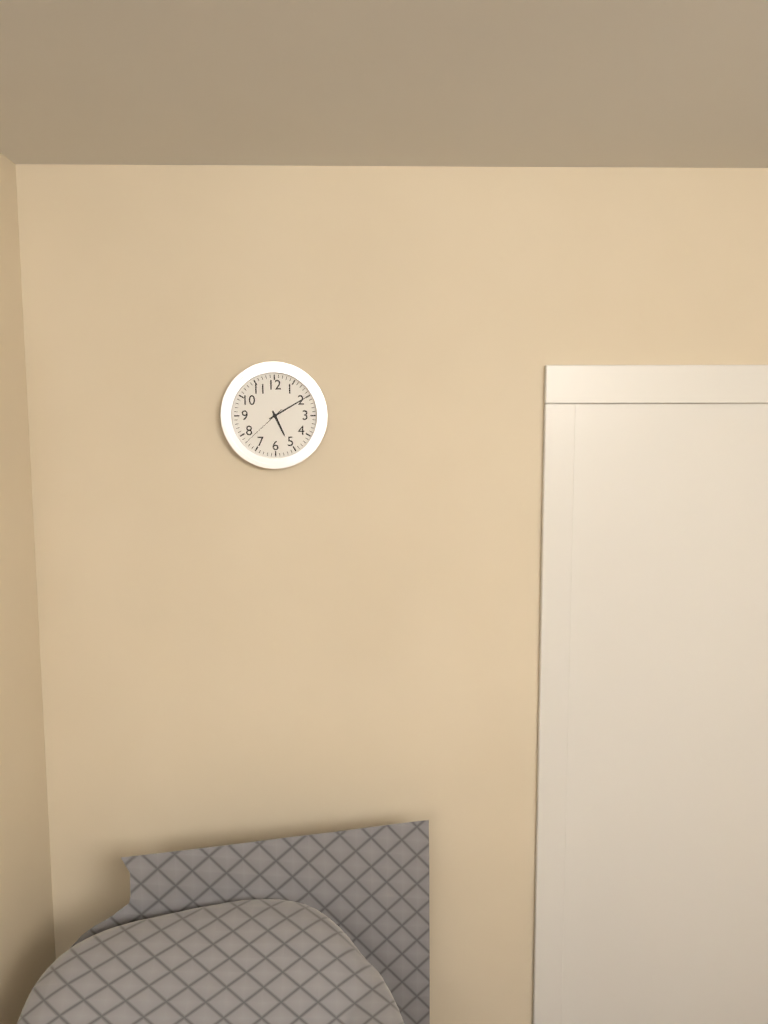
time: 5:10
